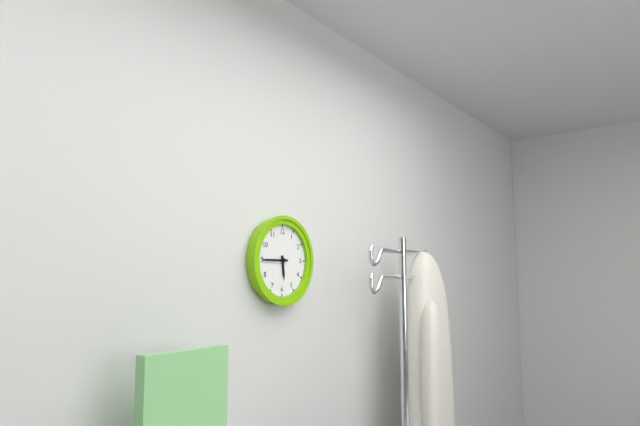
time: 5:45
